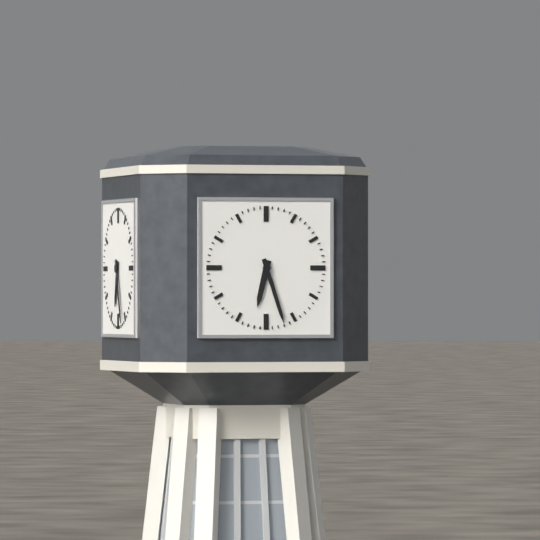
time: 6:27
